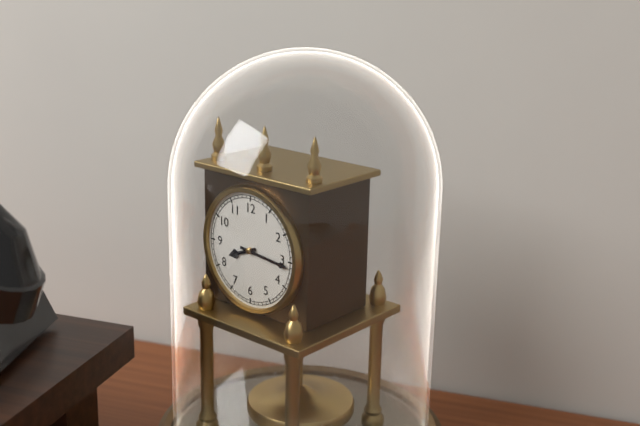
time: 8:16
